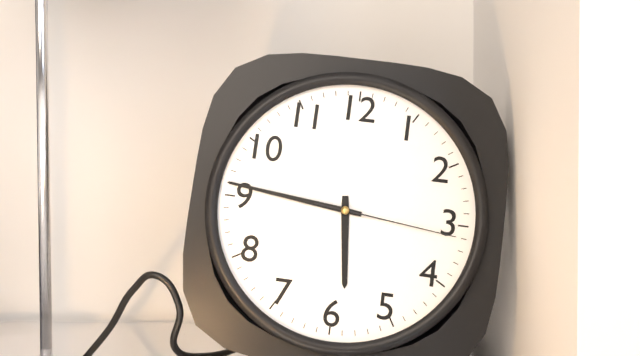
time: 5:46:16
